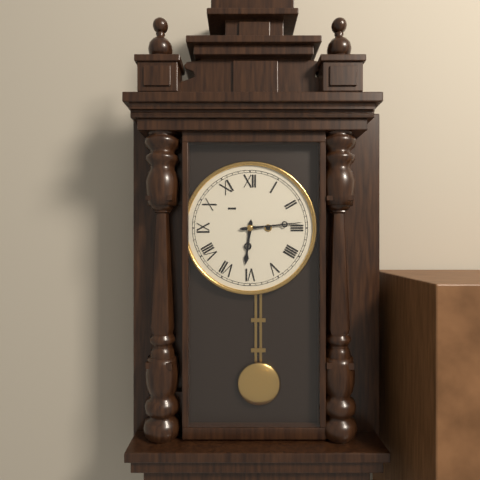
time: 6:14
